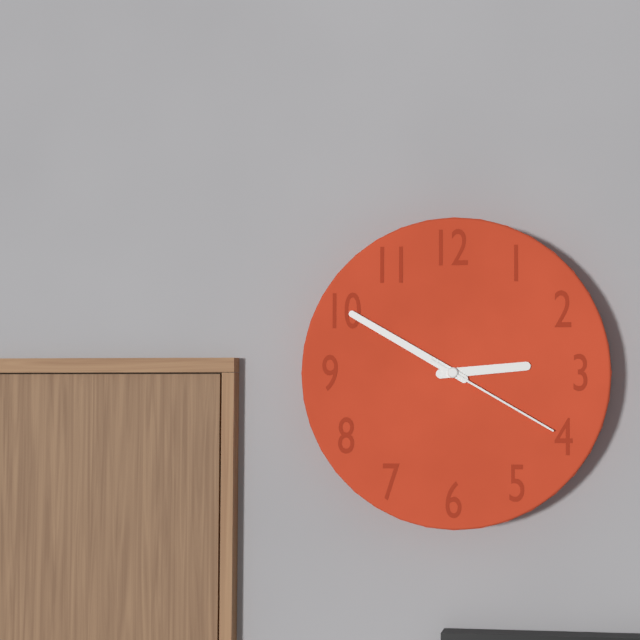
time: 2:50:20
